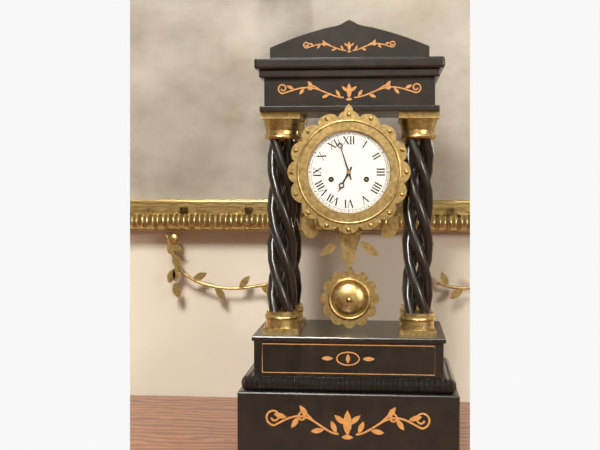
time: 6:57
